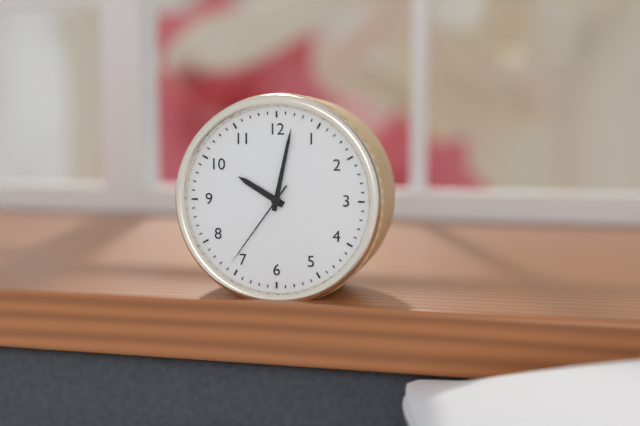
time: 10:02:36
